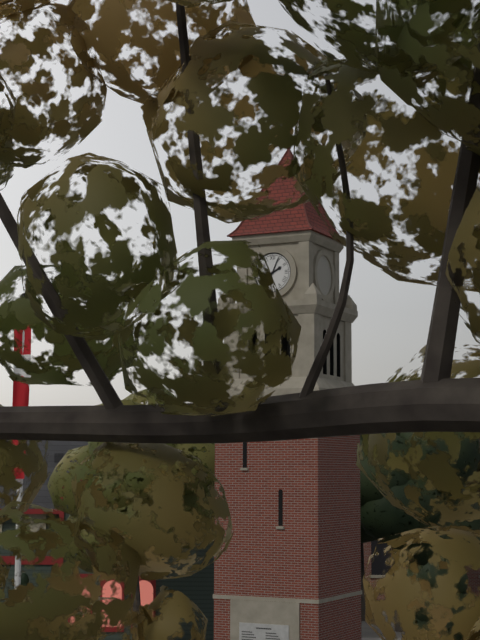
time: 2:04
